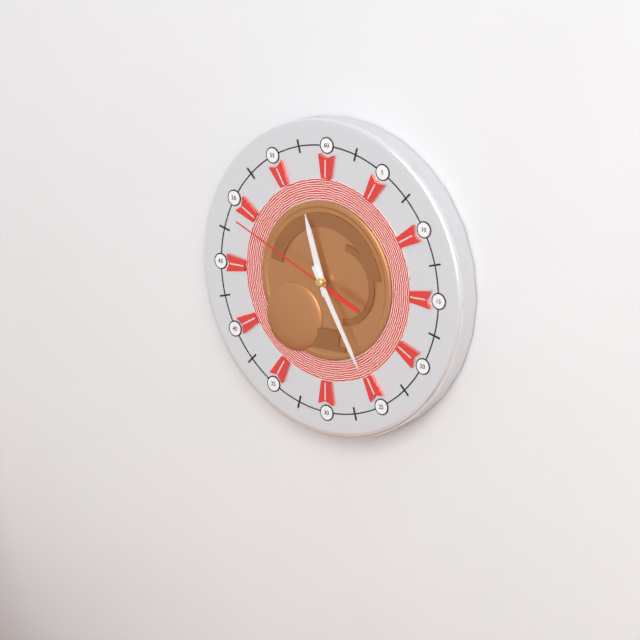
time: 11:25:49
